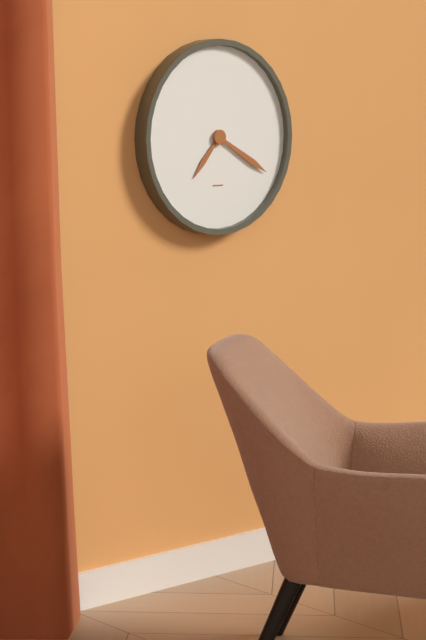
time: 7:20
